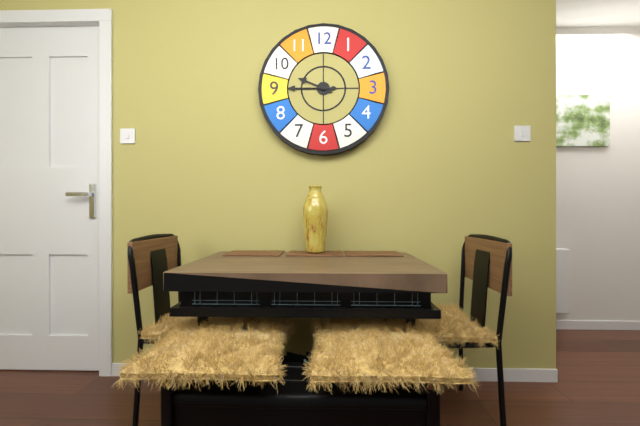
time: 9:45
